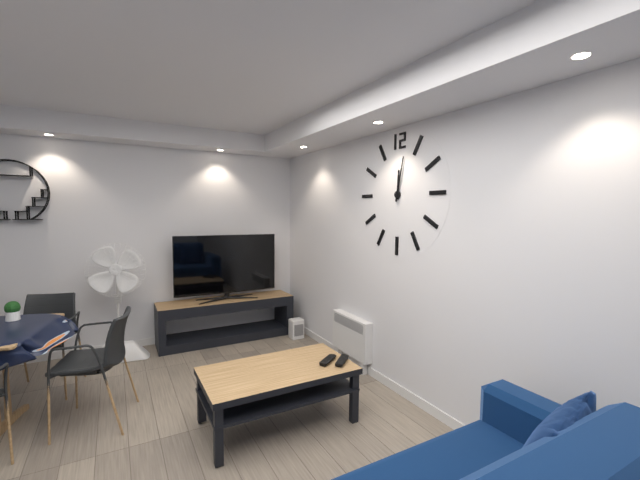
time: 12:02
